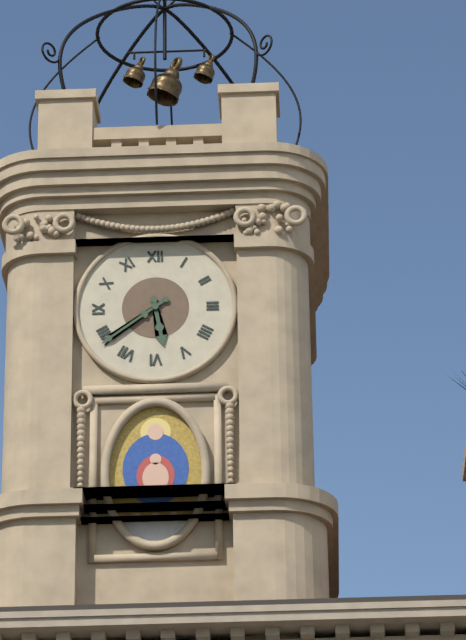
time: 5:39
